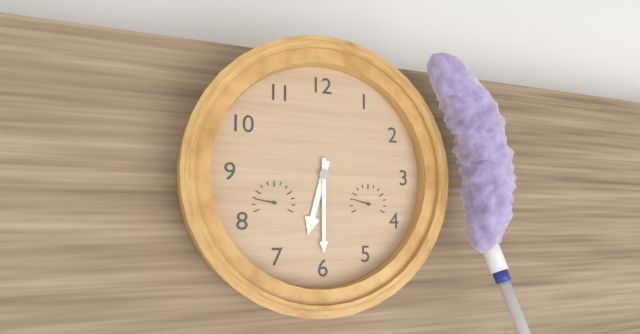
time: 6:30
